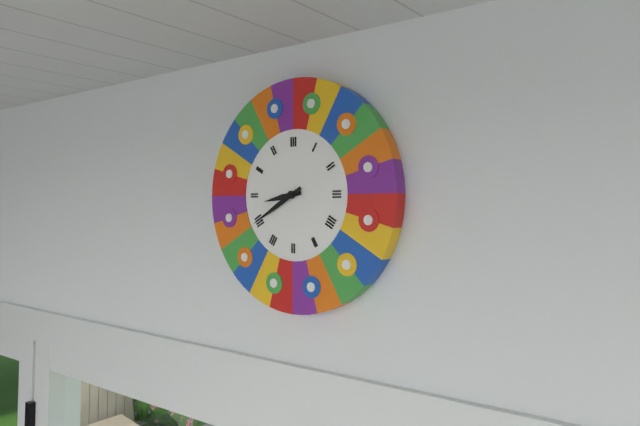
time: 8:40
